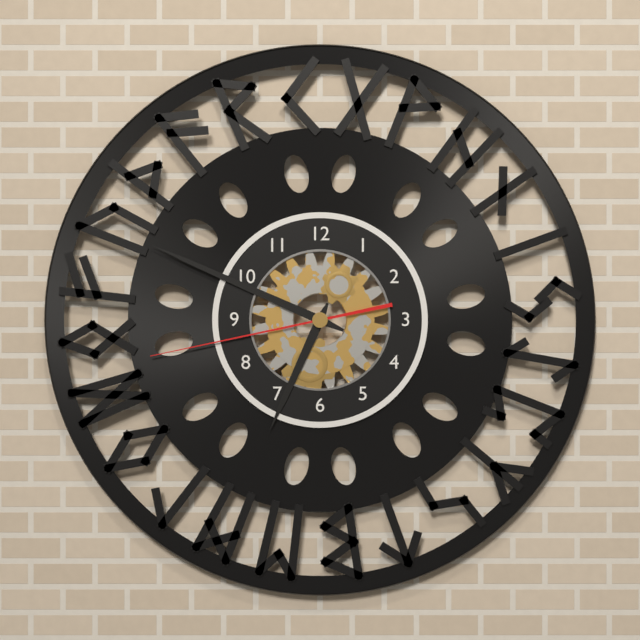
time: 6:49:43
